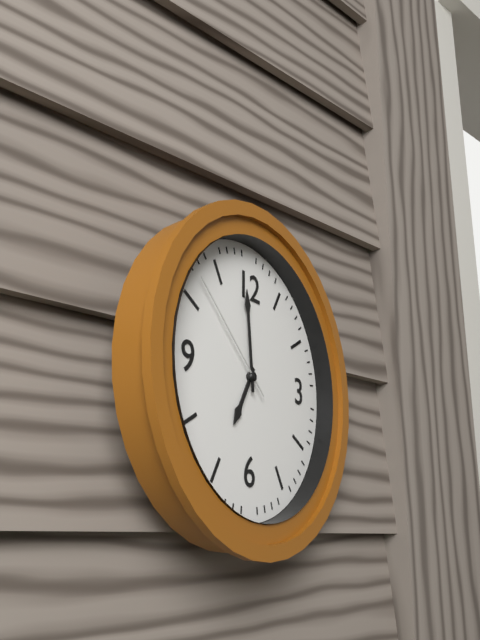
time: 6:59:52
